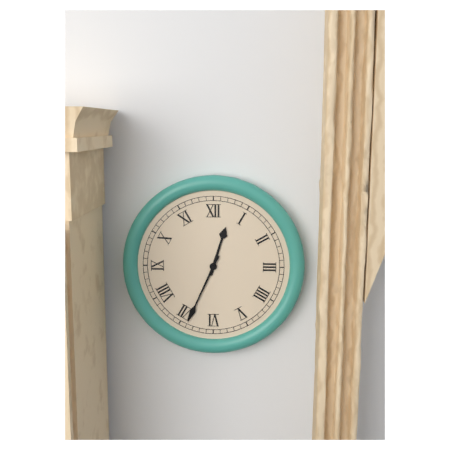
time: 12:34
